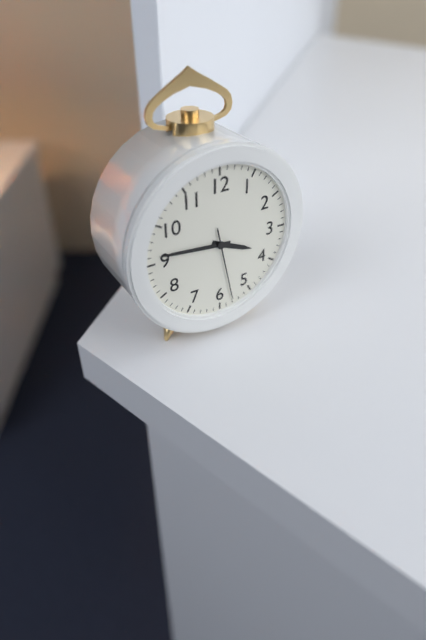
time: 3:46:28
